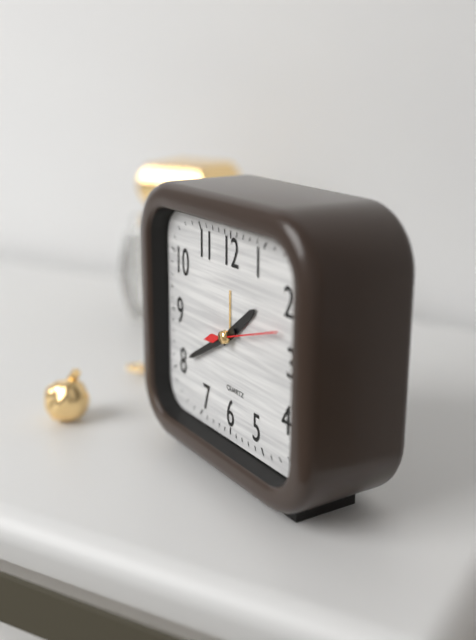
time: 1:40:12
